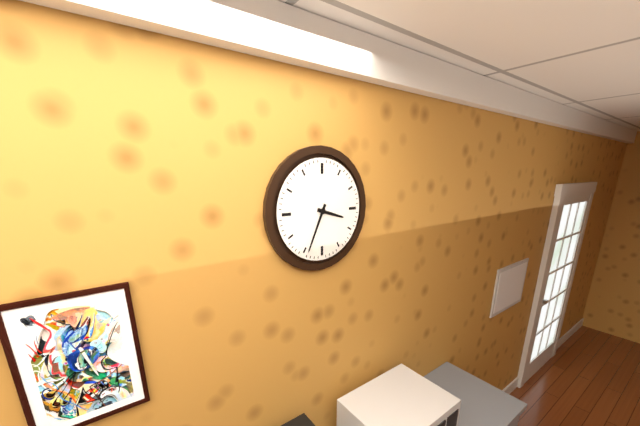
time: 3:34
